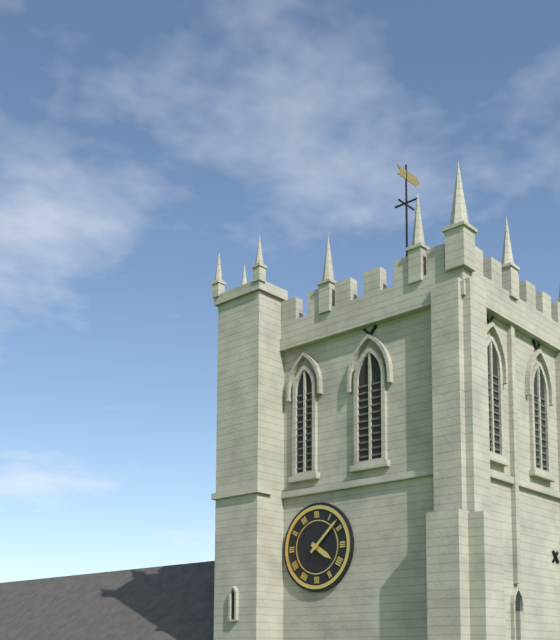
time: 4:08
